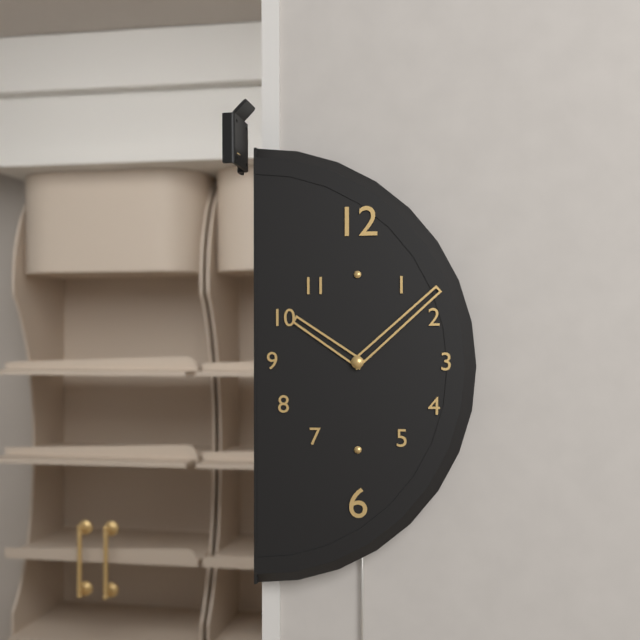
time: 10:08
